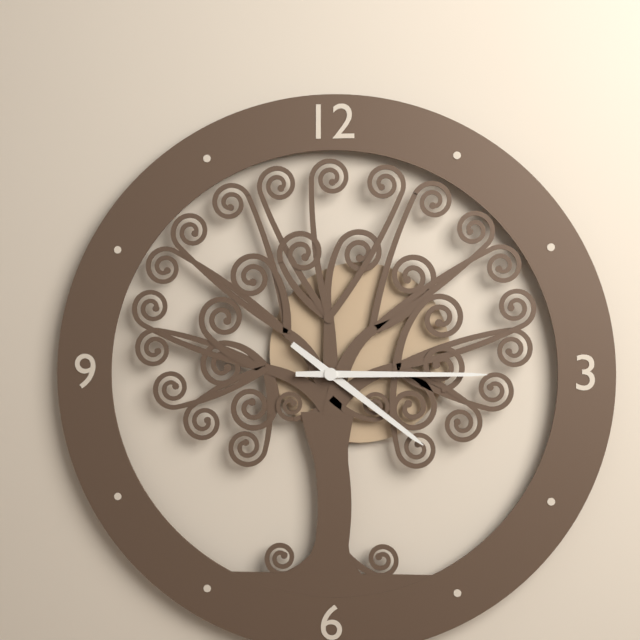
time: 4:15
